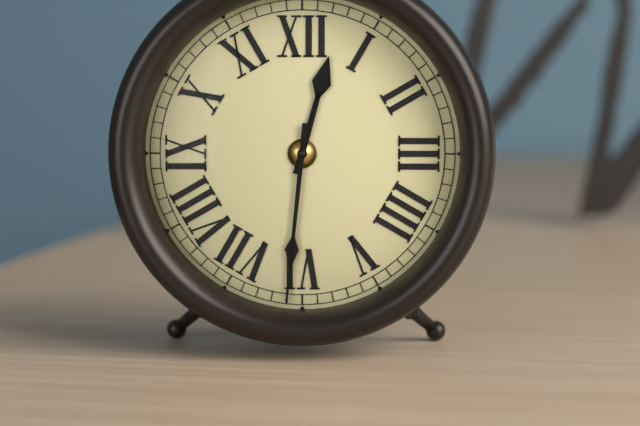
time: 12:31
